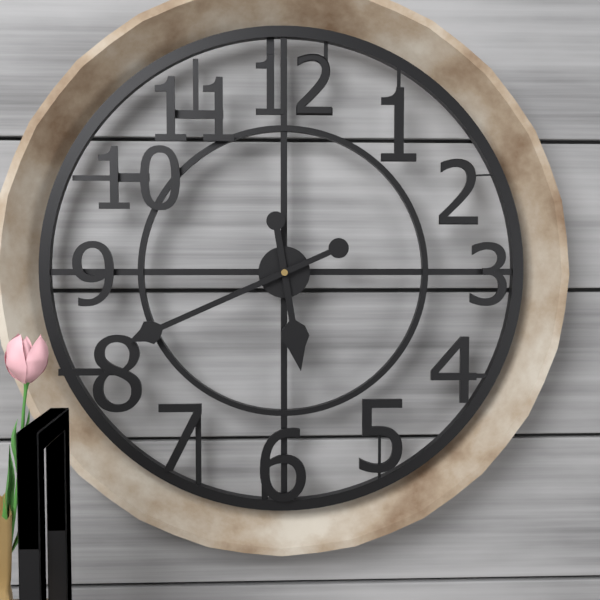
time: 5:41
